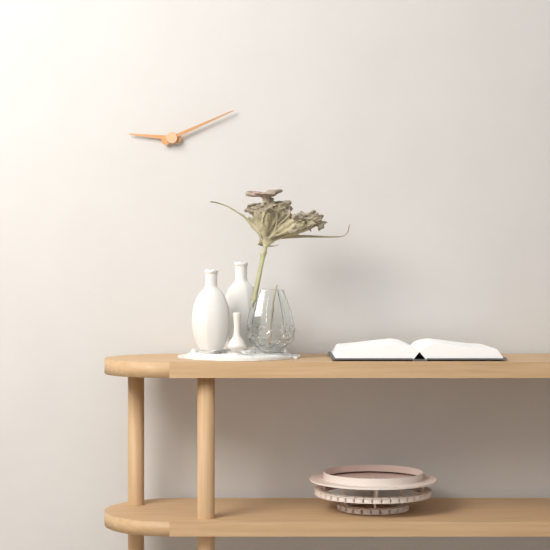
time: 9:11
